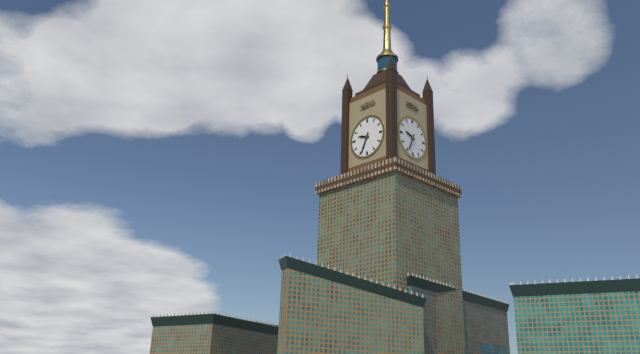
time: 9:34
